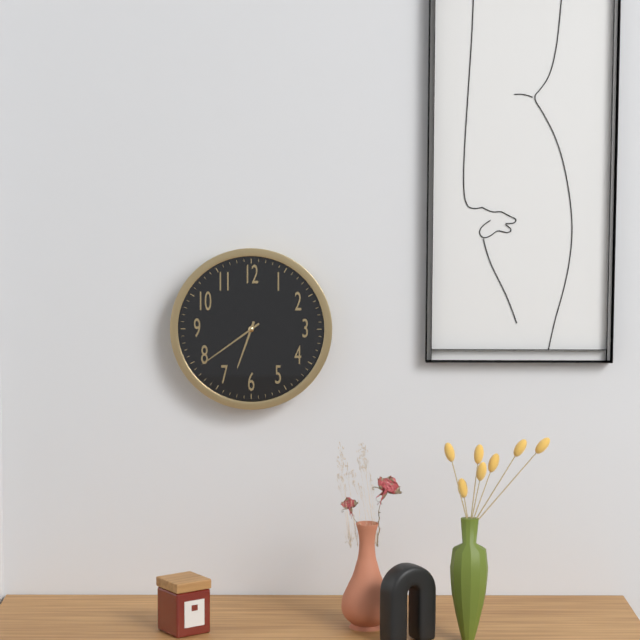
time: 6:39
